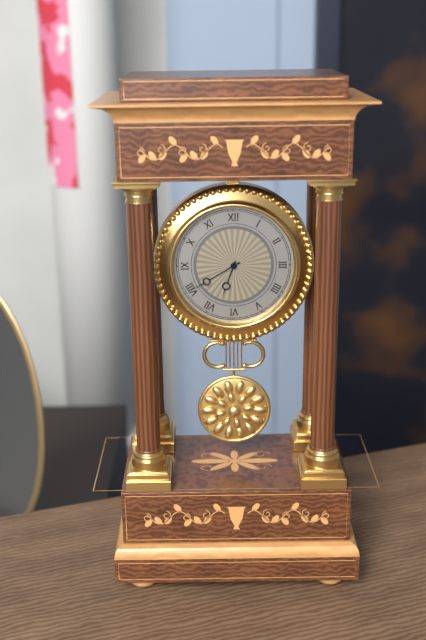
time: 6:40
